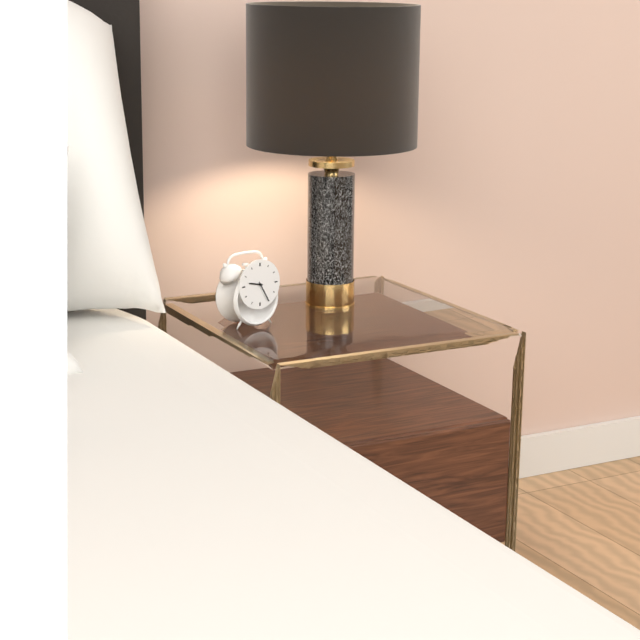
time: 9:25
